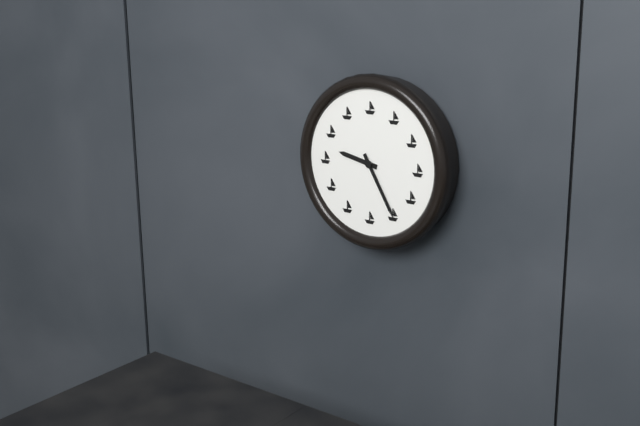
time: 9:25
